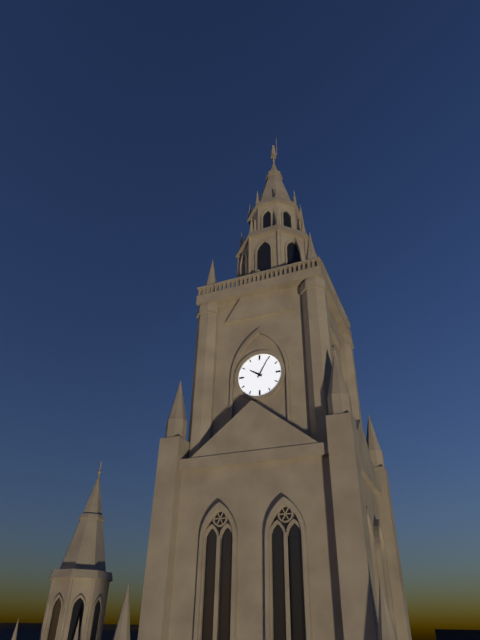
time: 10:05
